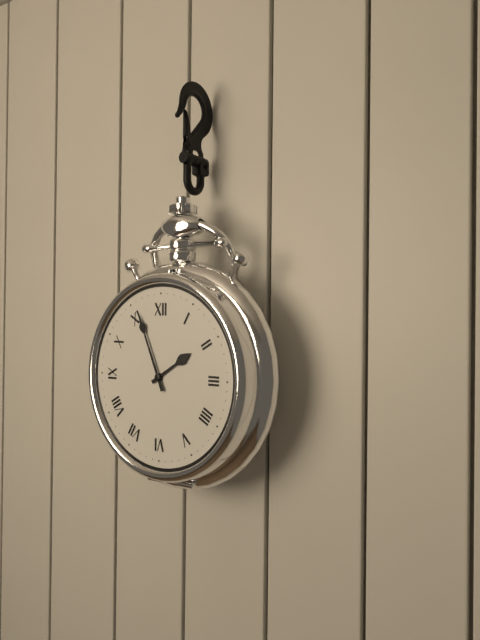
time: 1:56
